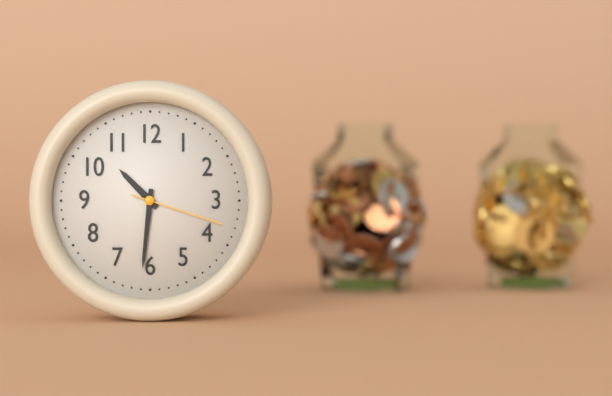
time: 10:31:18
